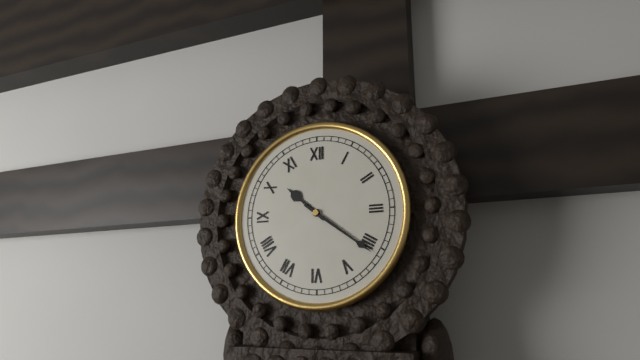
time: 10:21
